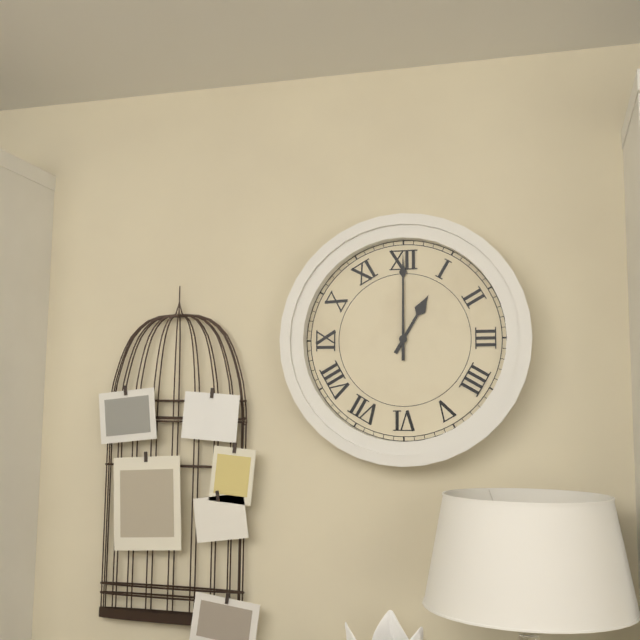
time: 1:00
